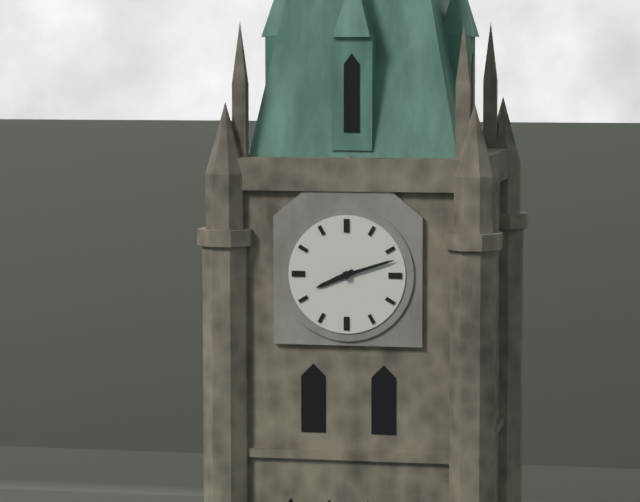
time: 8:12
